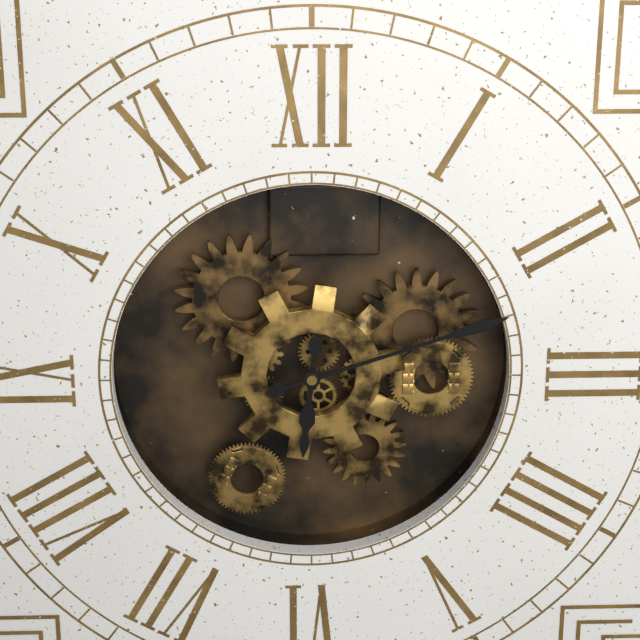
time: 6:12
